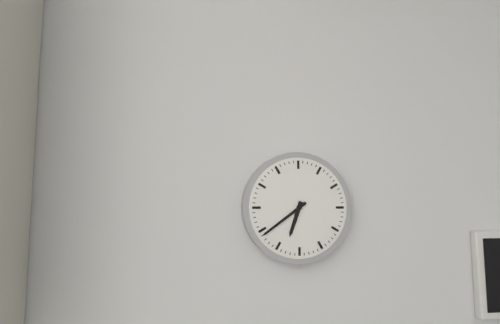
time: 6:39
